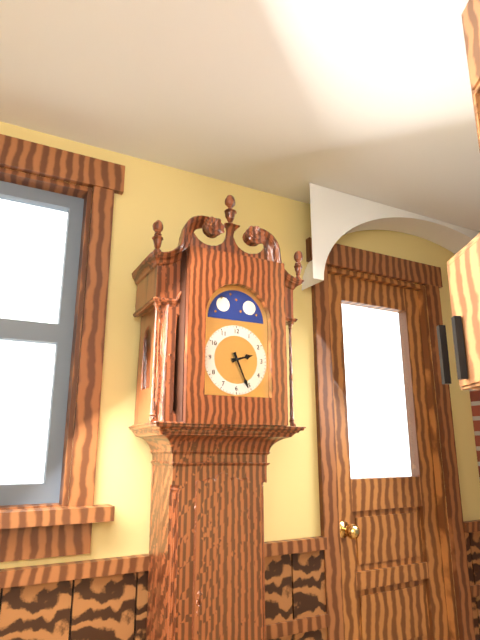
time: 2:26
